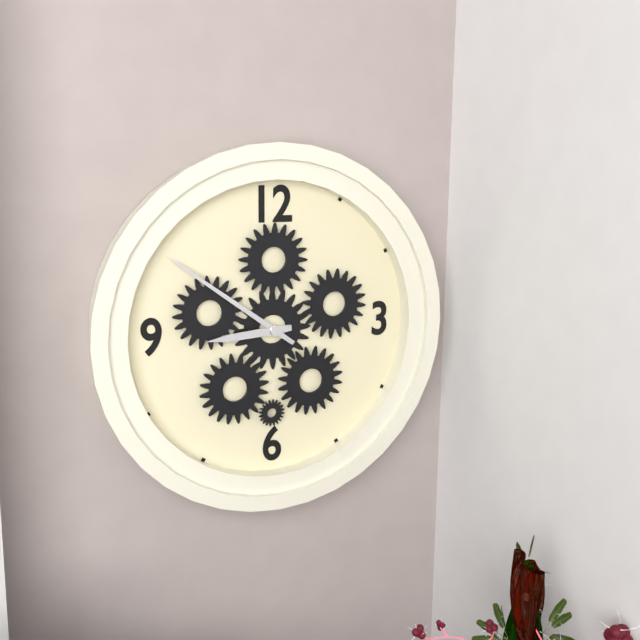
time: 8:51
